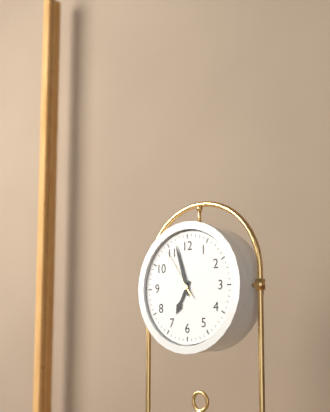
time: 6:57:54
